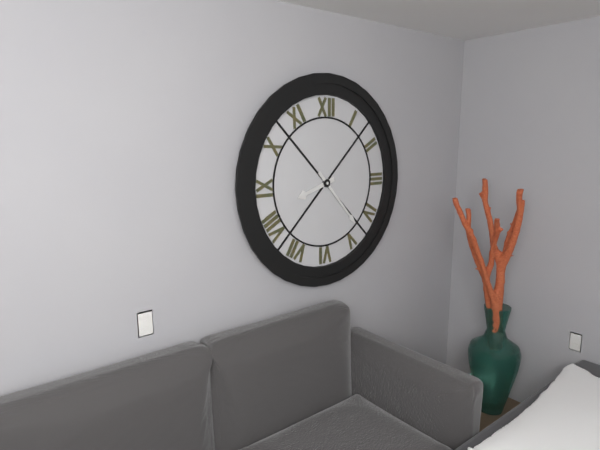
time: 8:23
